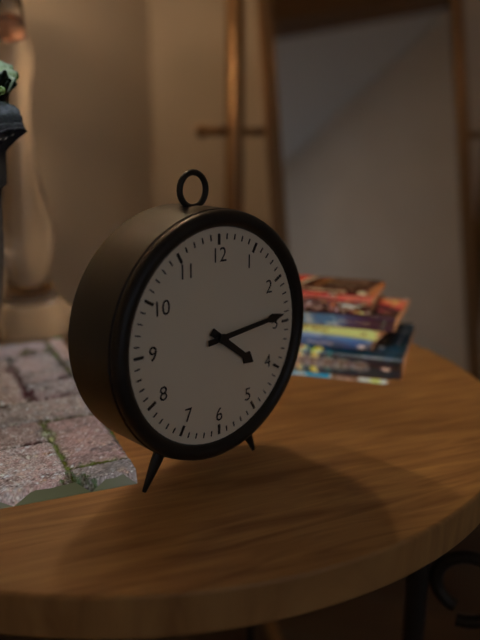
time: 4:14
